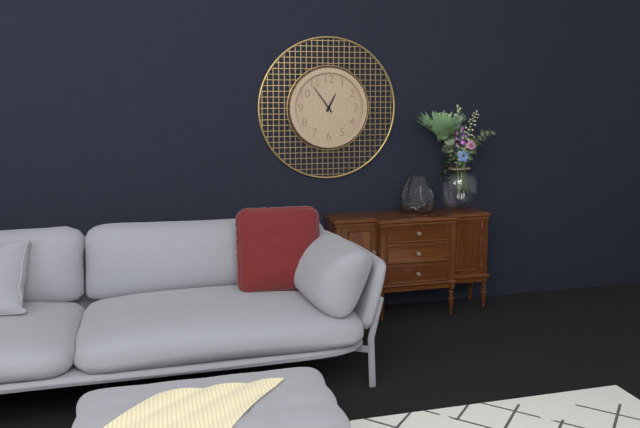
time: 12:54
